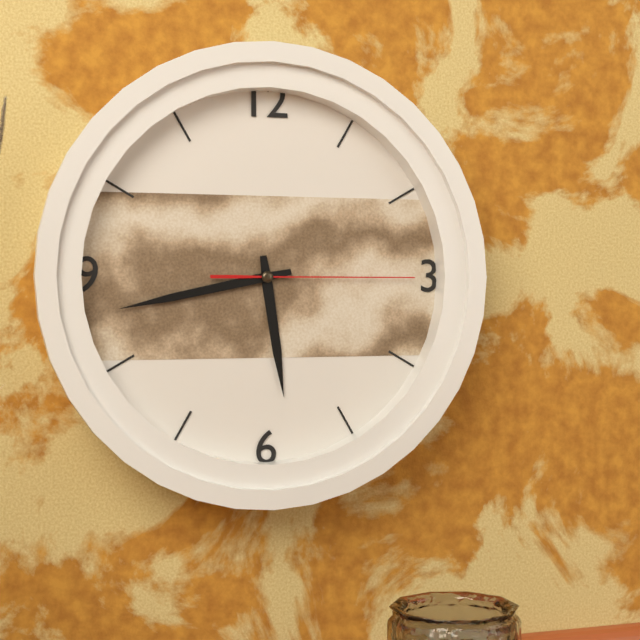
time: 5:43:15
